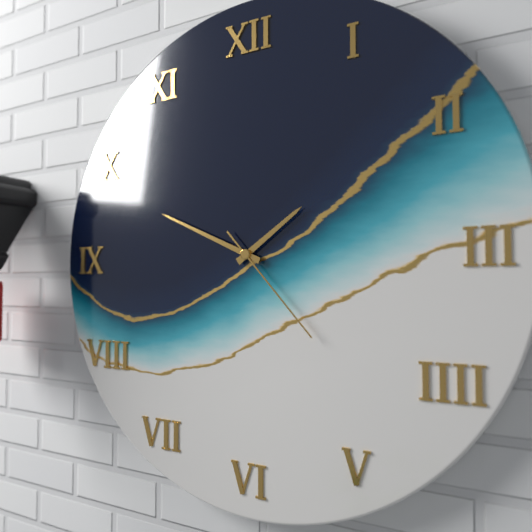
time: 1:49:23
